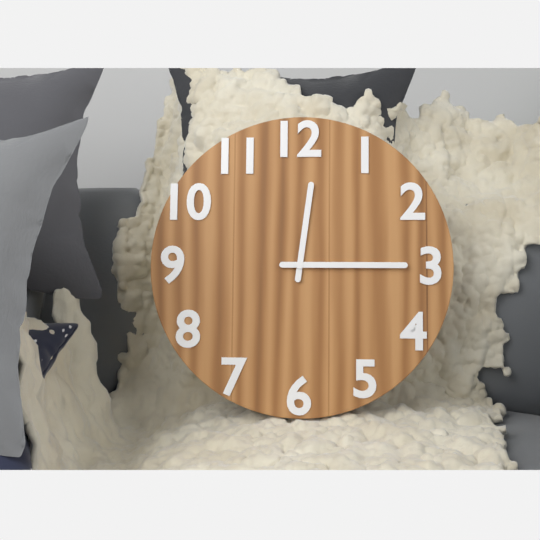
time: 12:15
